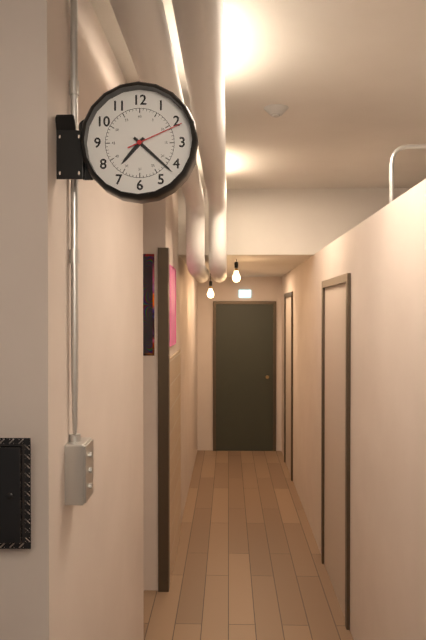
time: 7:22:11
